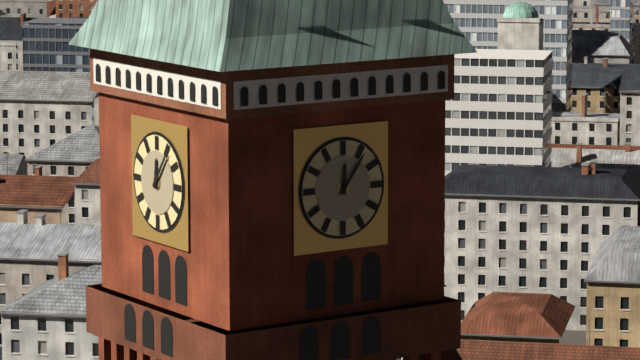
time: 12:06
